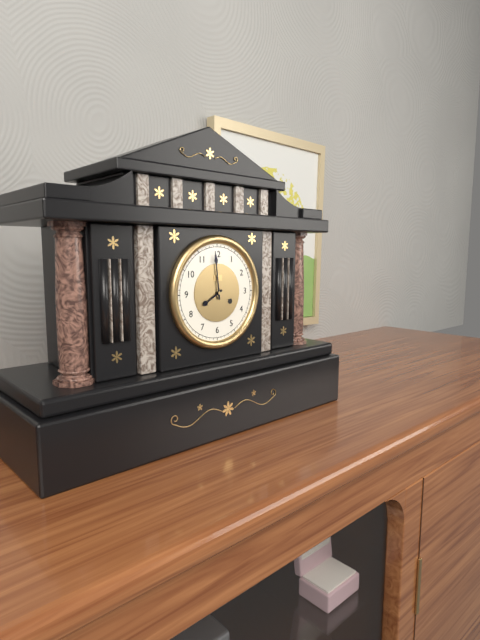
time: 7:59
